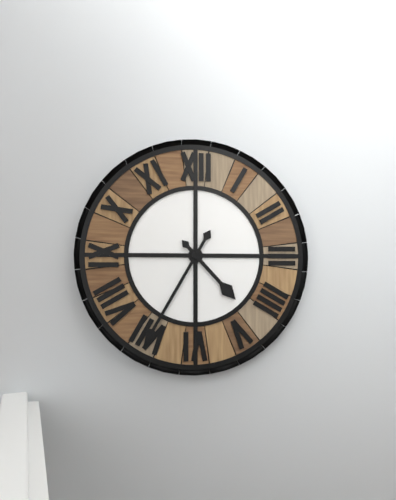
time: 4:35
